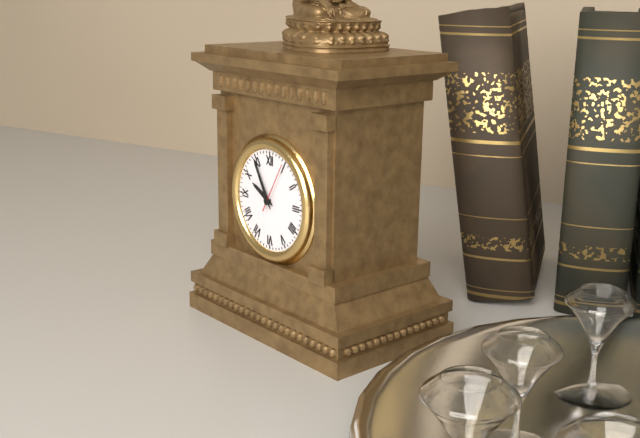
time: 9:55
